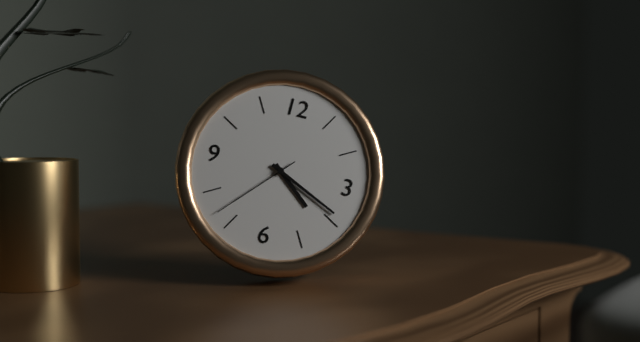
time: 4:19:37
